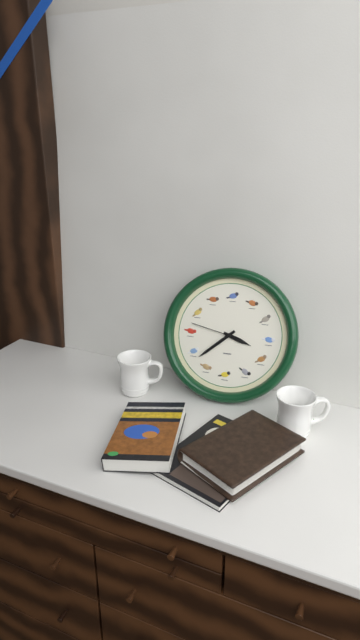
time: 3:38:47
